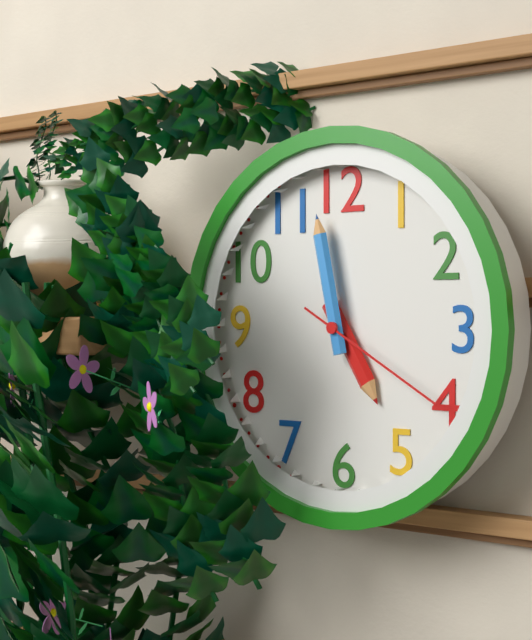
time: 4:58:20
